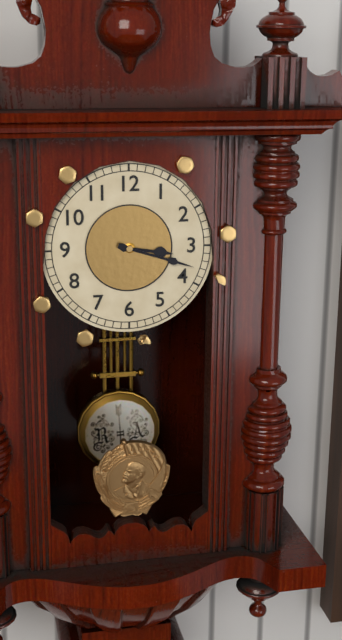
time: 3:18
